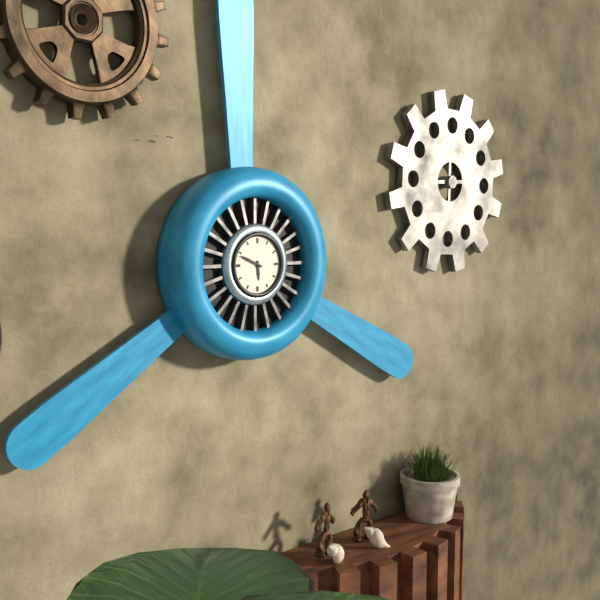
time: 5:49
